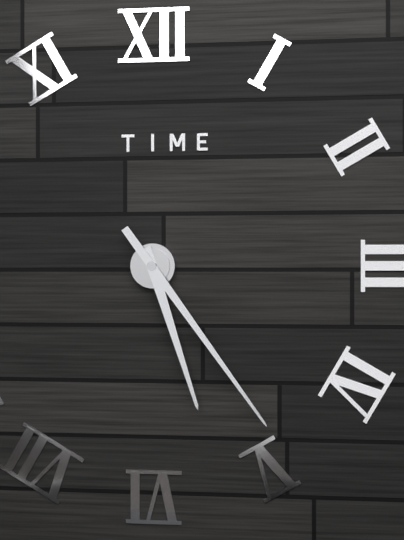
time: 5:24
